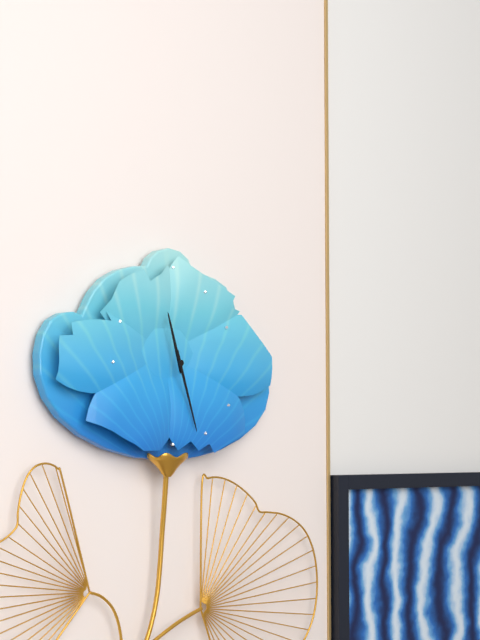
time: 11:27
